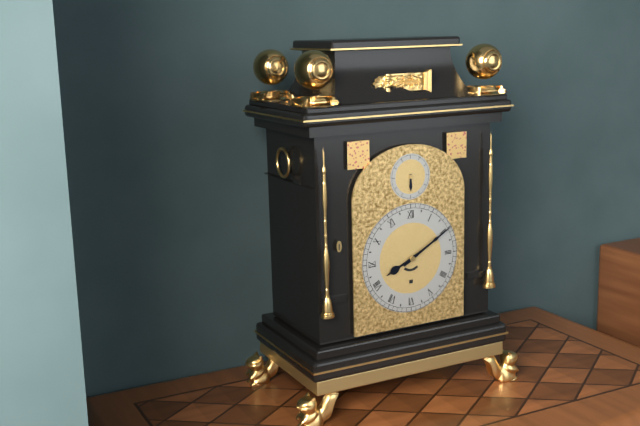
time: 8:10
